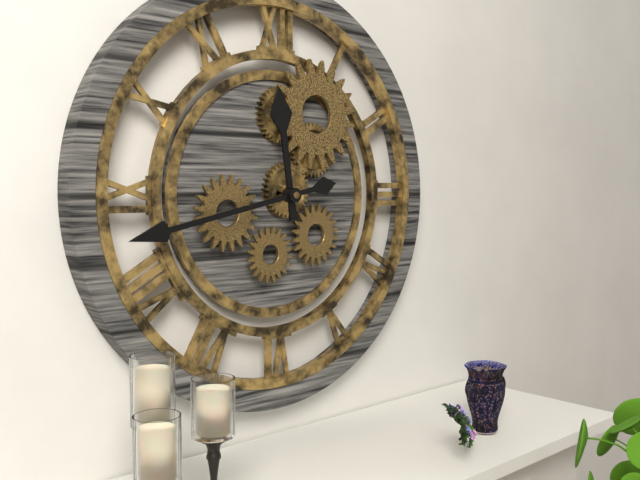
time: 11:43
